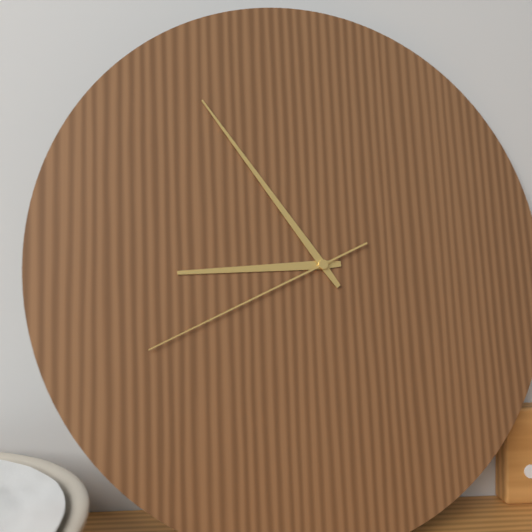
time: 8:54:41
